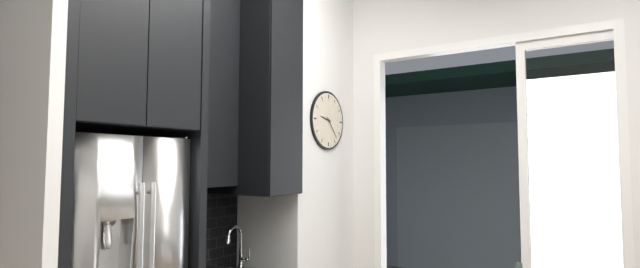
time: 9:23
